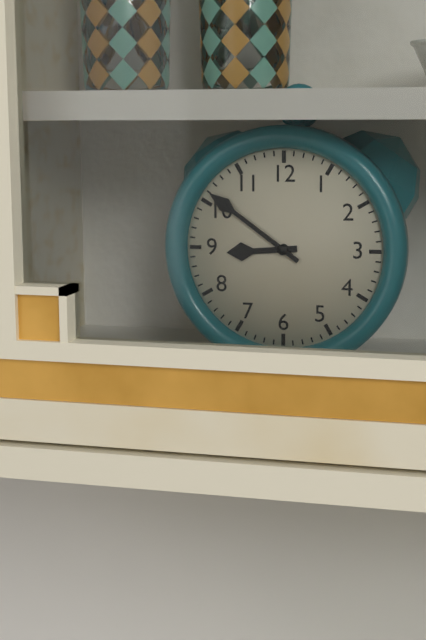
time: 8:51
